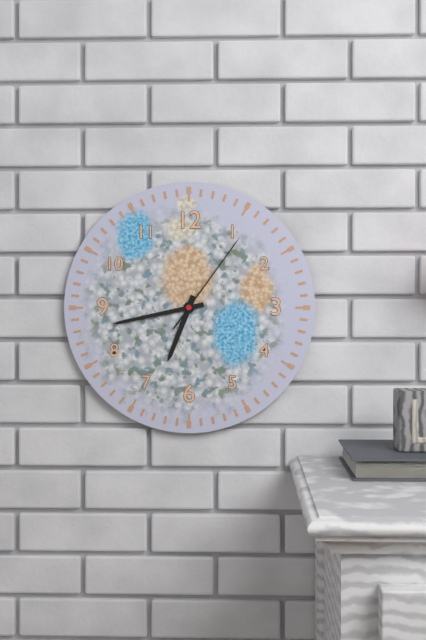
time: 6:43:06
